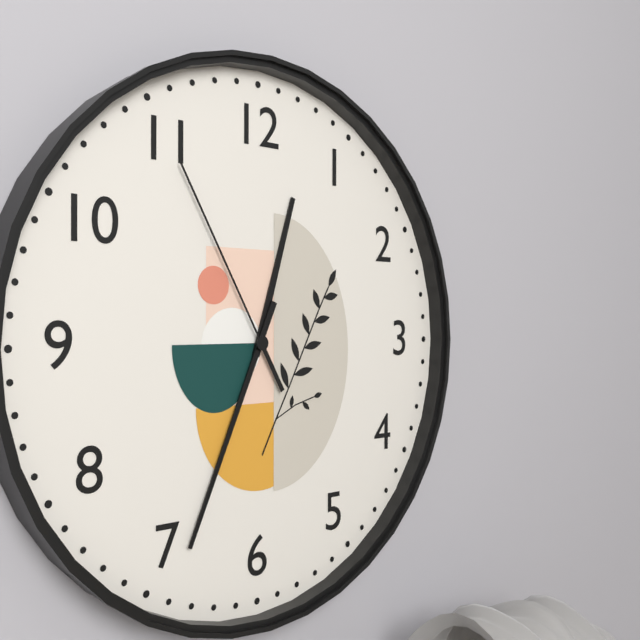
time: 12:34:55
